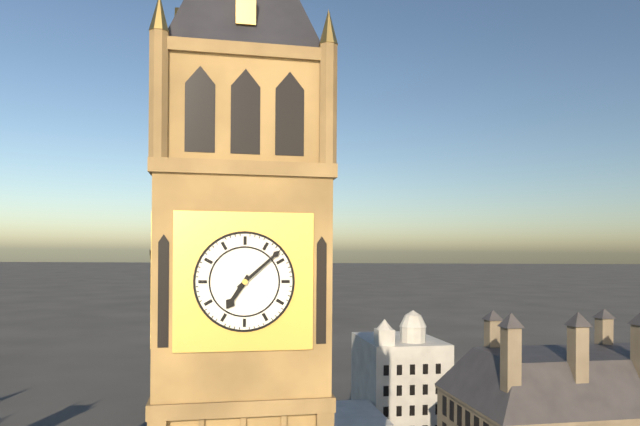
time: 7:08
